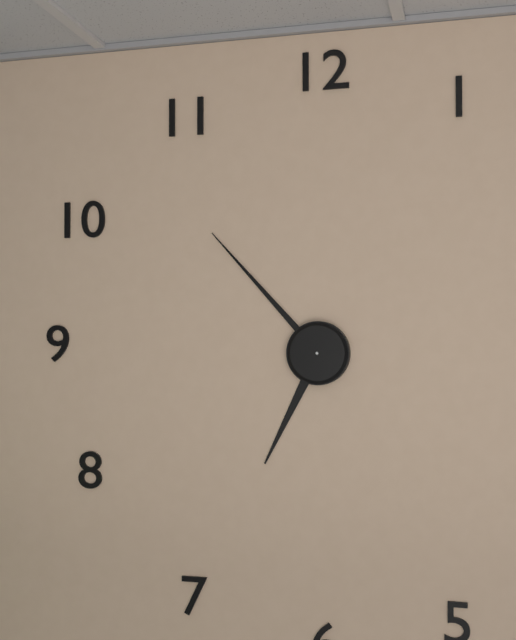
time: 6:53
